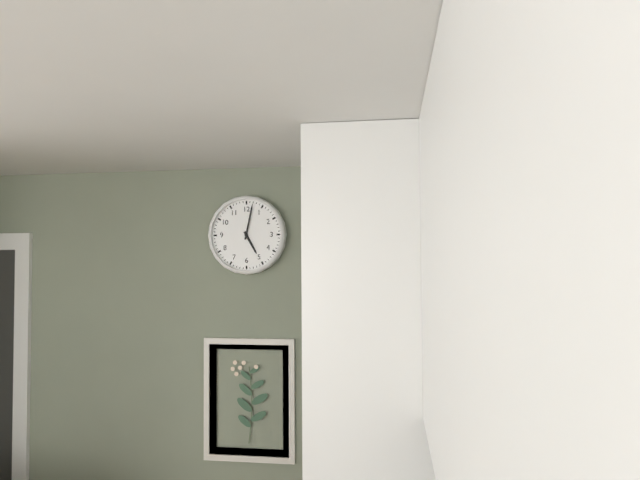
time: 5:02
